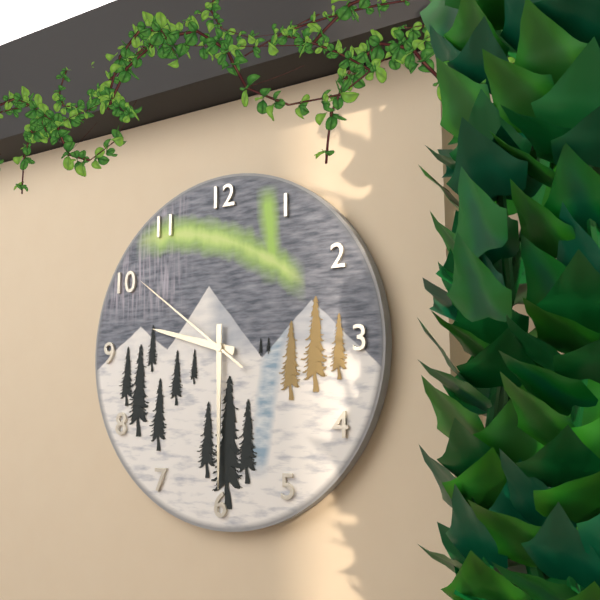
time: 9:30:51
